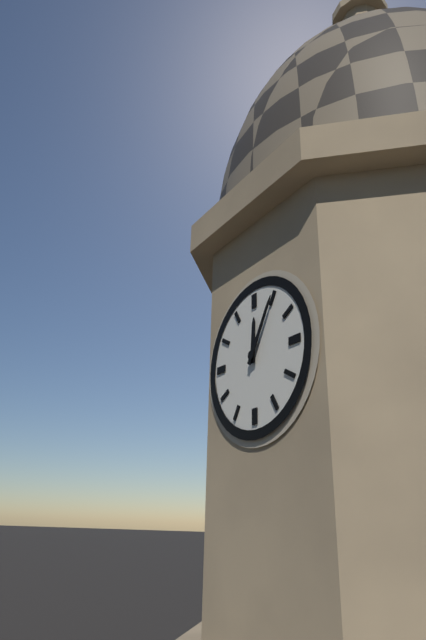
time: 12:05
